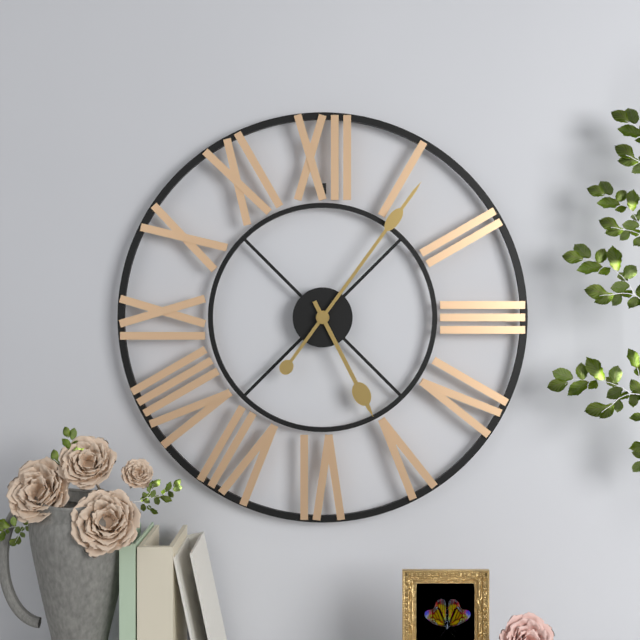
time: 5:06
